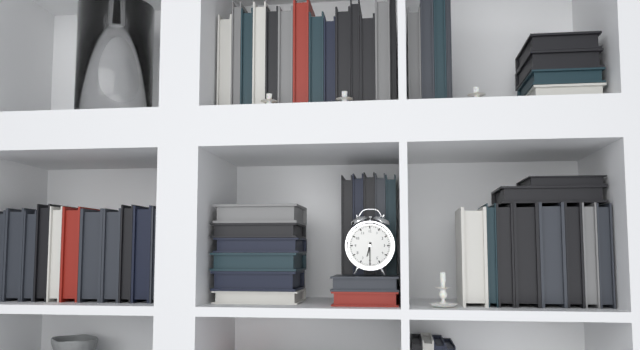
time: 6:30
